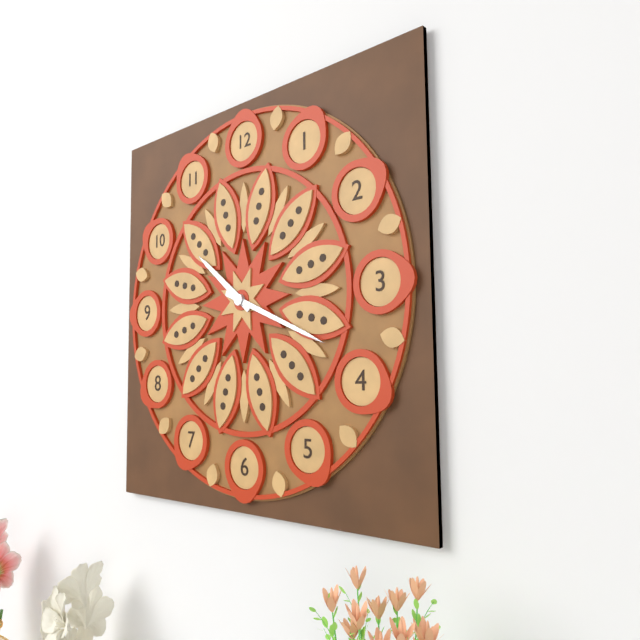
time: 10:19
